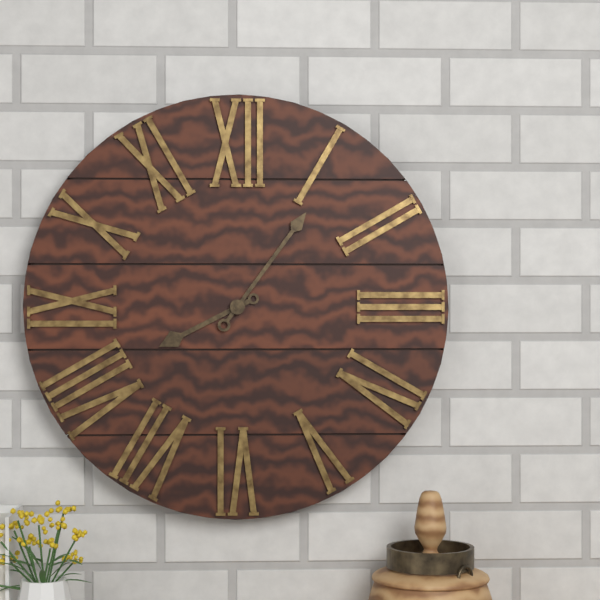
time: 8:06
